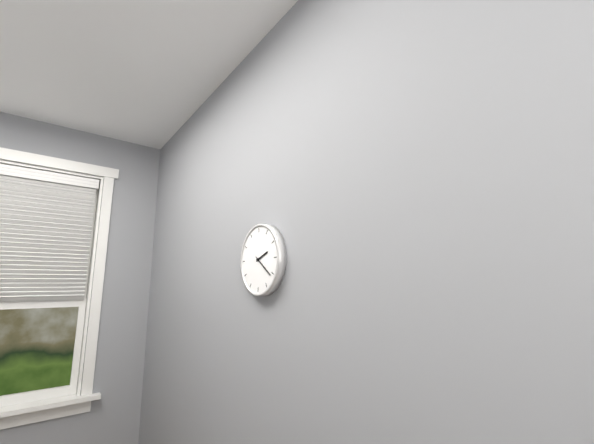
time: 2:21
